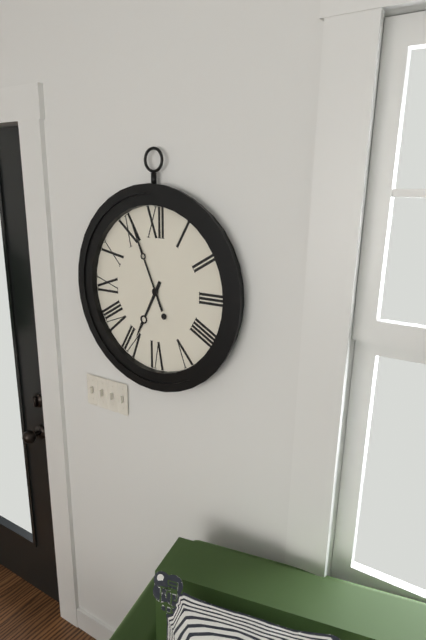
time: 6:56
